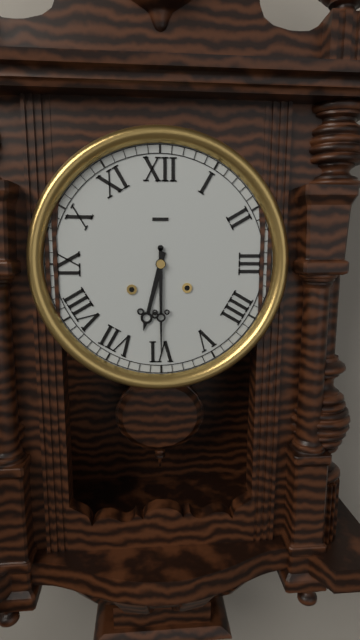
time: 6:30
